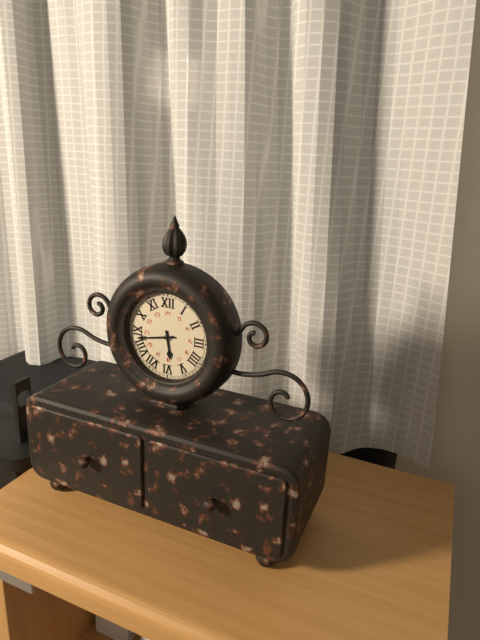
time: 5:43
